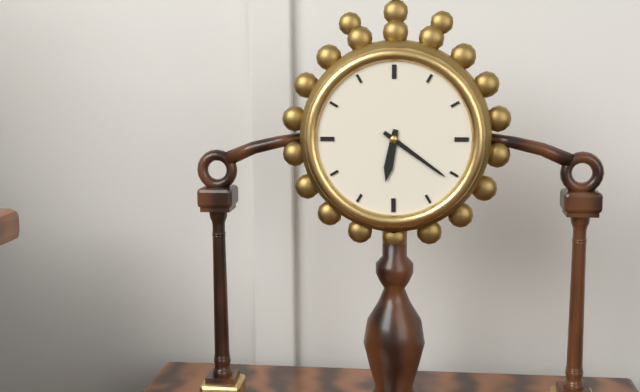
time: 6:21
